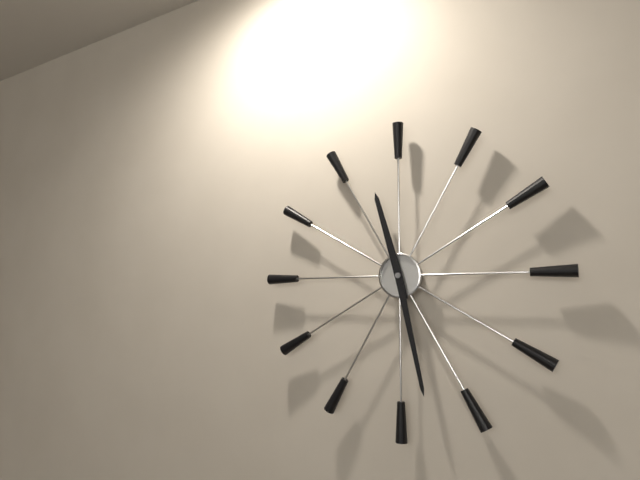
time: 11:28
